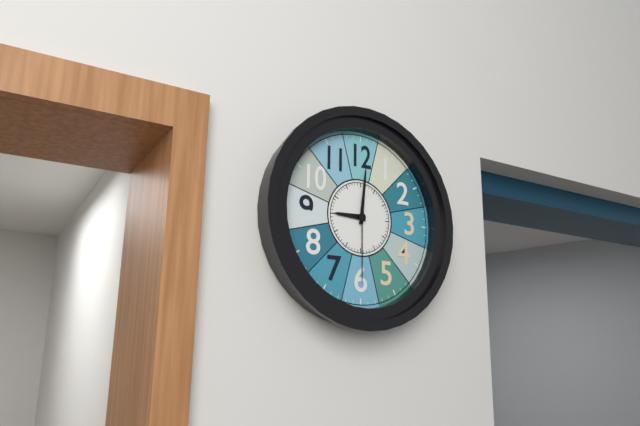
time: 9:01:30
